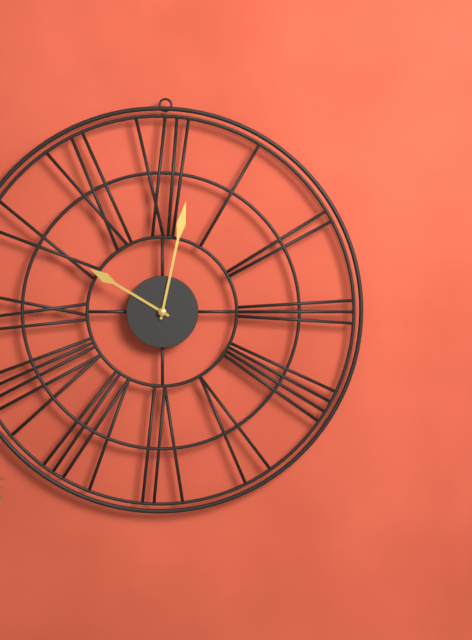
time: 10:02
